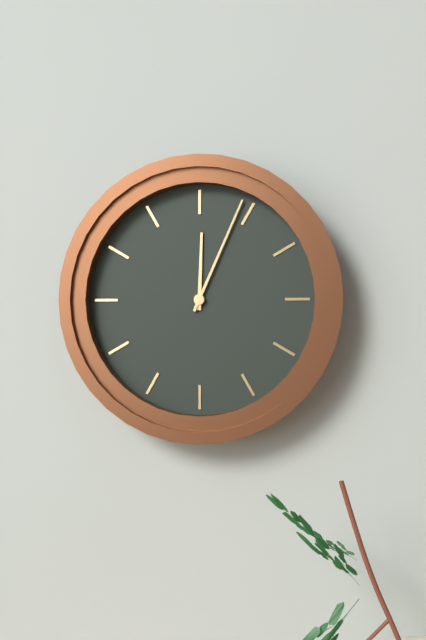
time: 12:04
